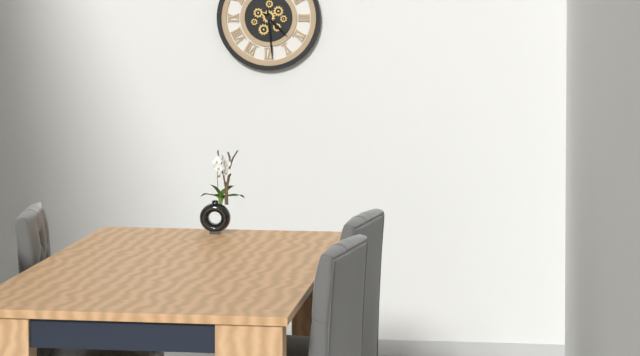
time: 4:29
